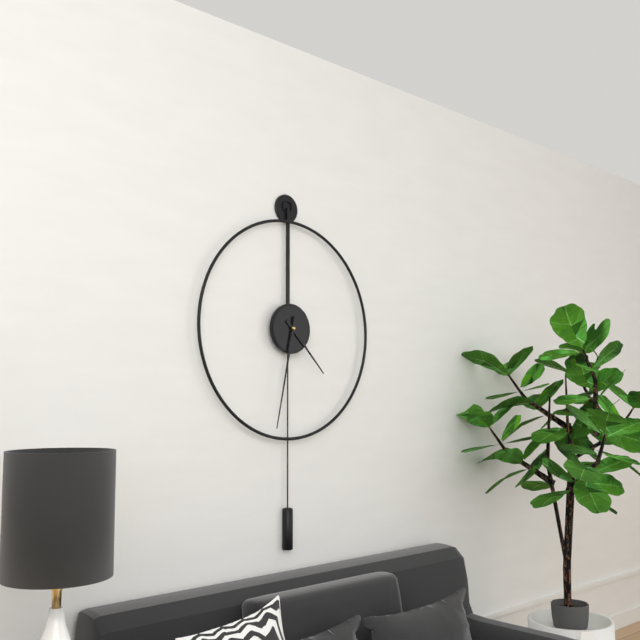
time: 4:32
